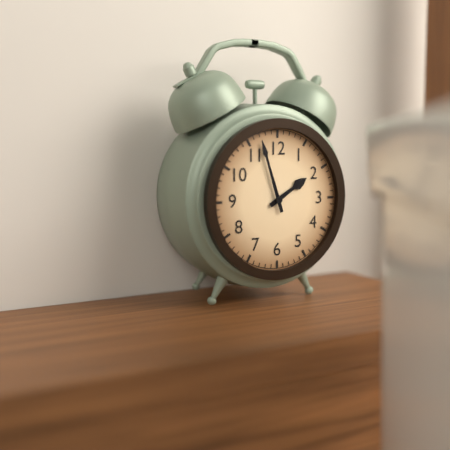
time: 1:57
